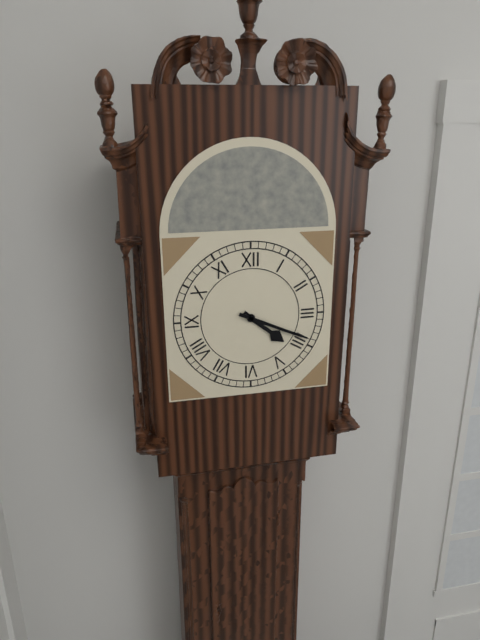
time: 4:19
